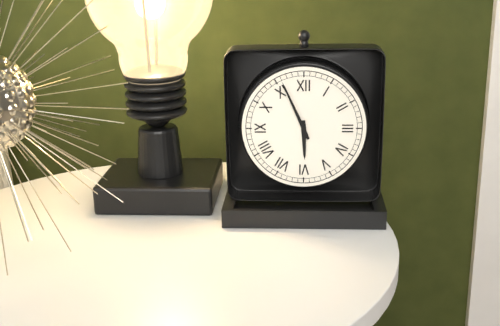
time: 5:56
